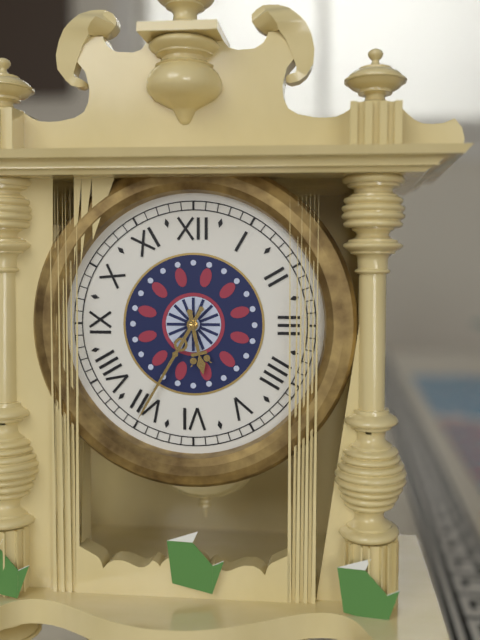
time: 5:35
